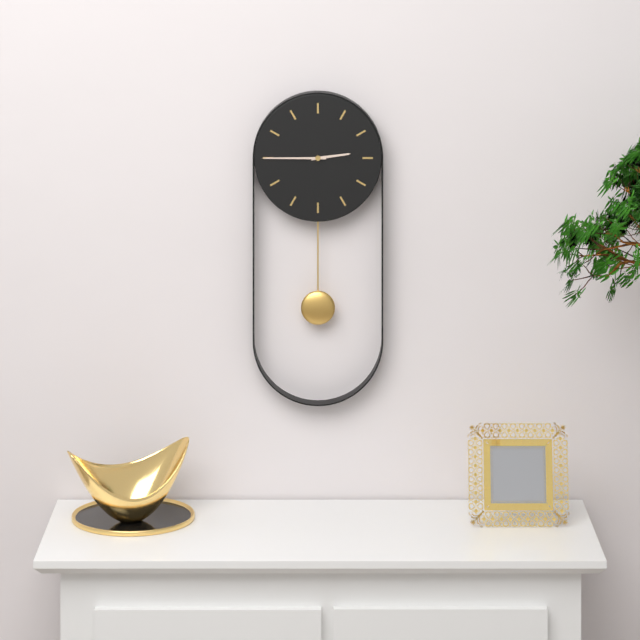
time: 2:45
